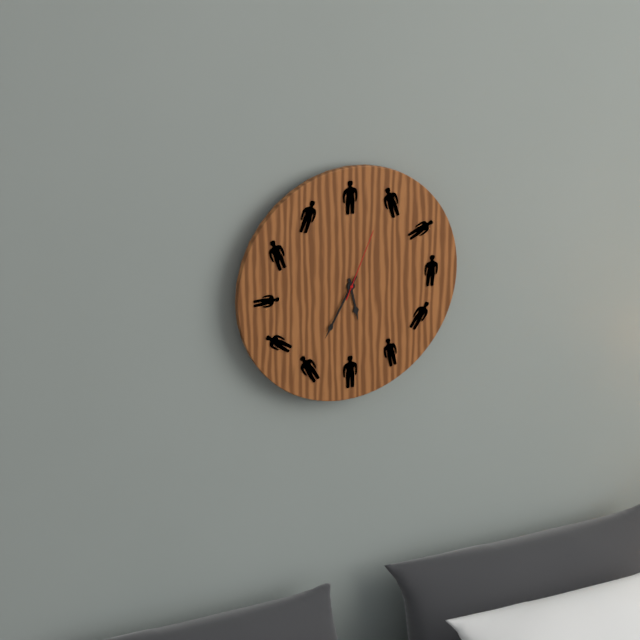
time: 5:35:04
